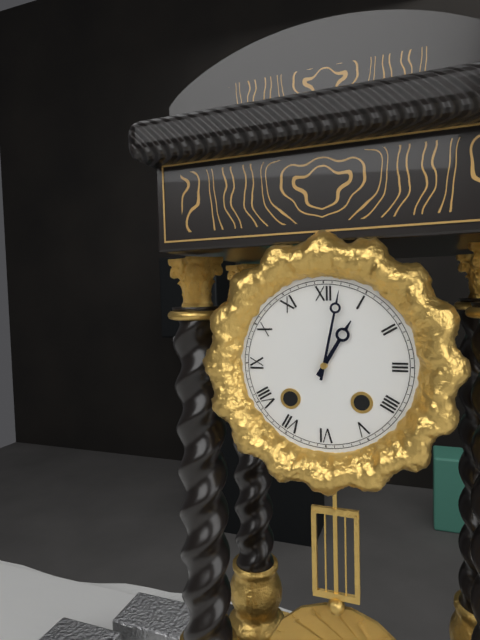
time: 1:02
